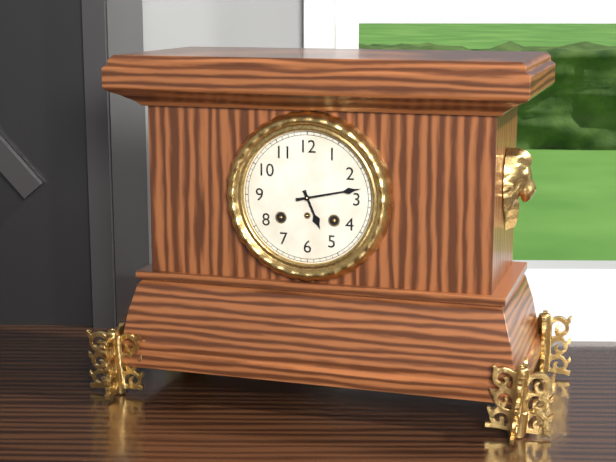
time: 5:13
